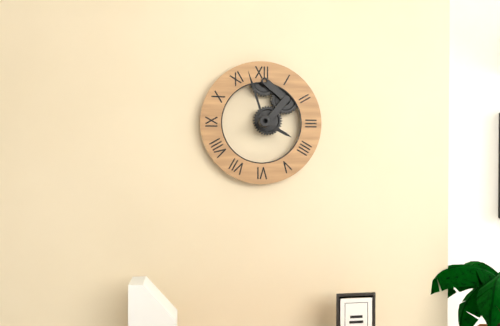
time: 3:57
